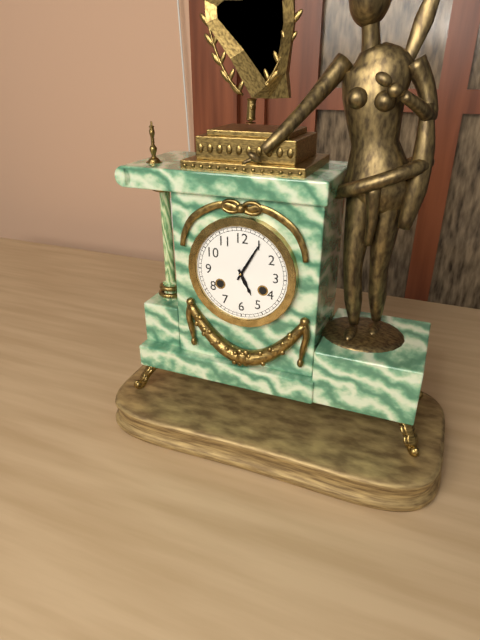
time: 5:05
